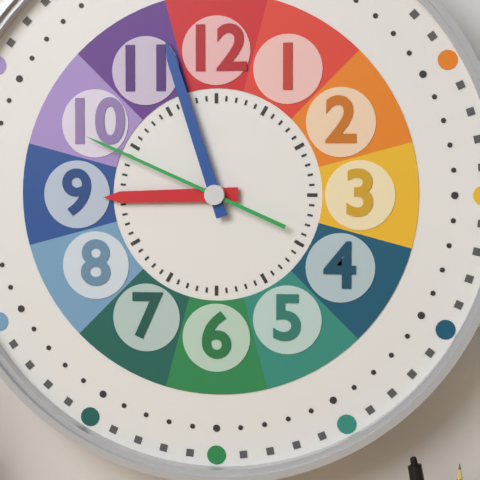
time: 8:57:49
